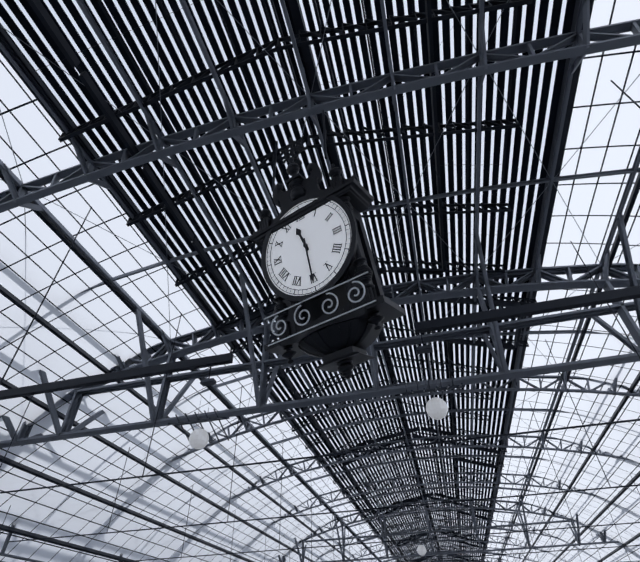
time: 11:30
